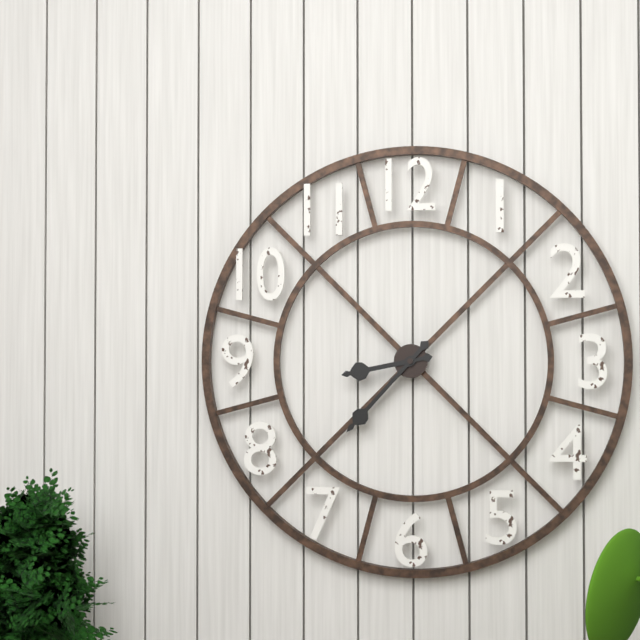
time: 8:37
